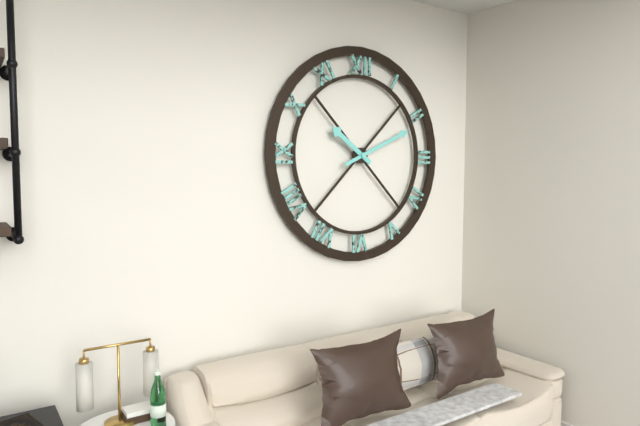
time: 10:11
